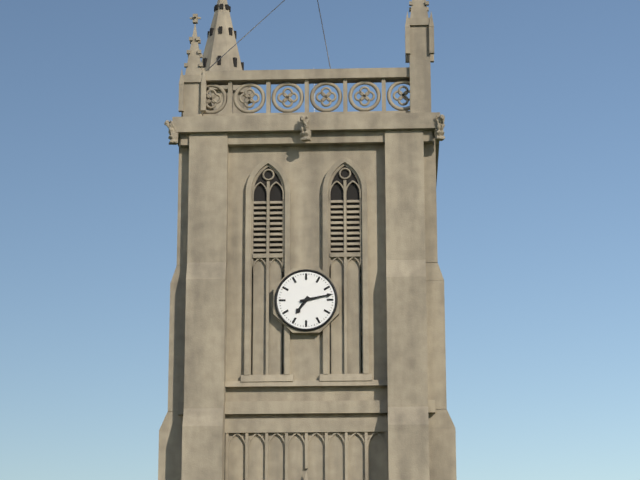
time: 7:13
